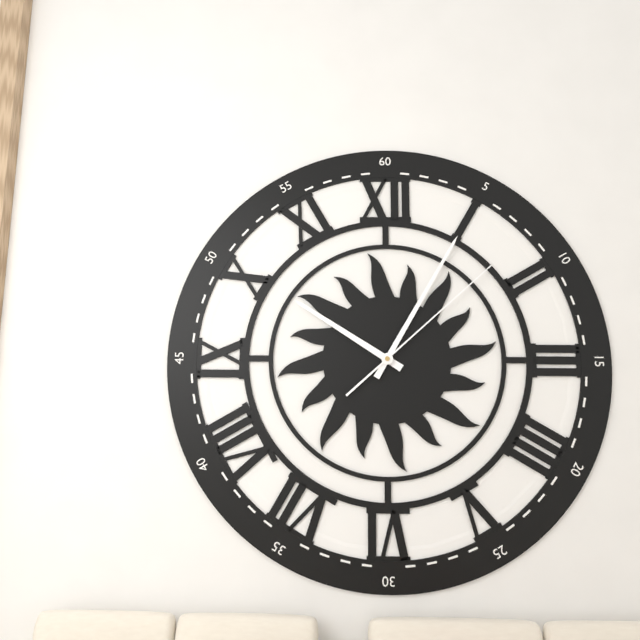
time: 10:05:08
